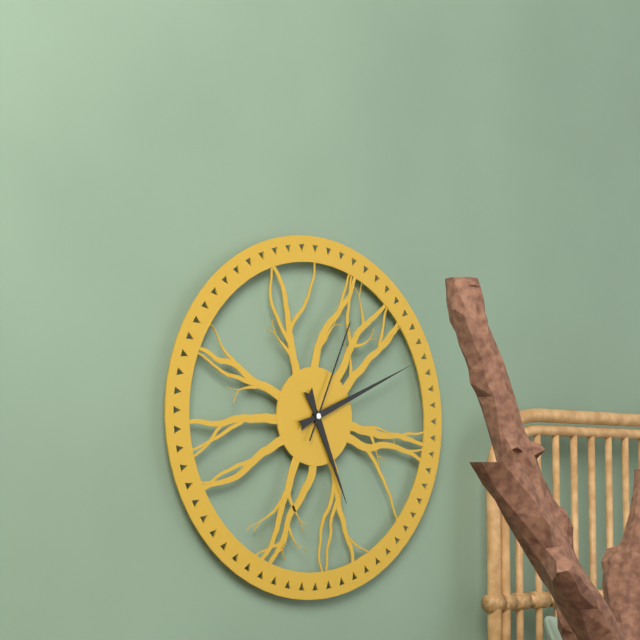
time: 5:11:04
